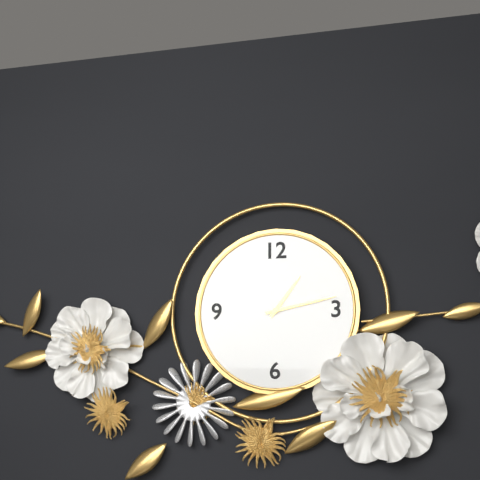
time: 1:13
